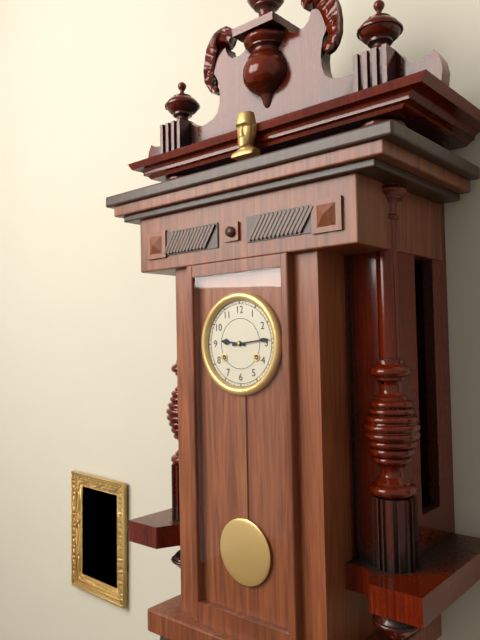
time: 9:14
